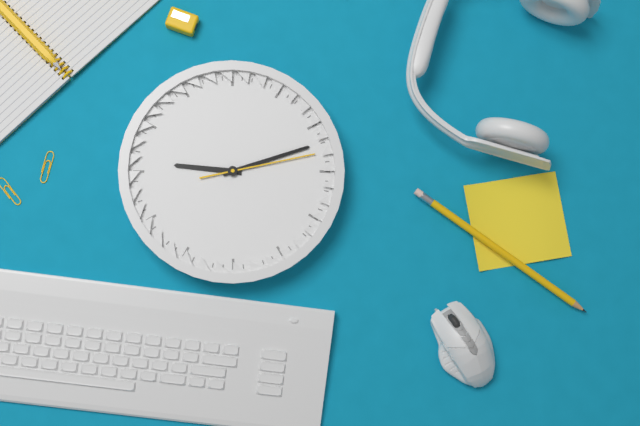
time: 9:12:13
